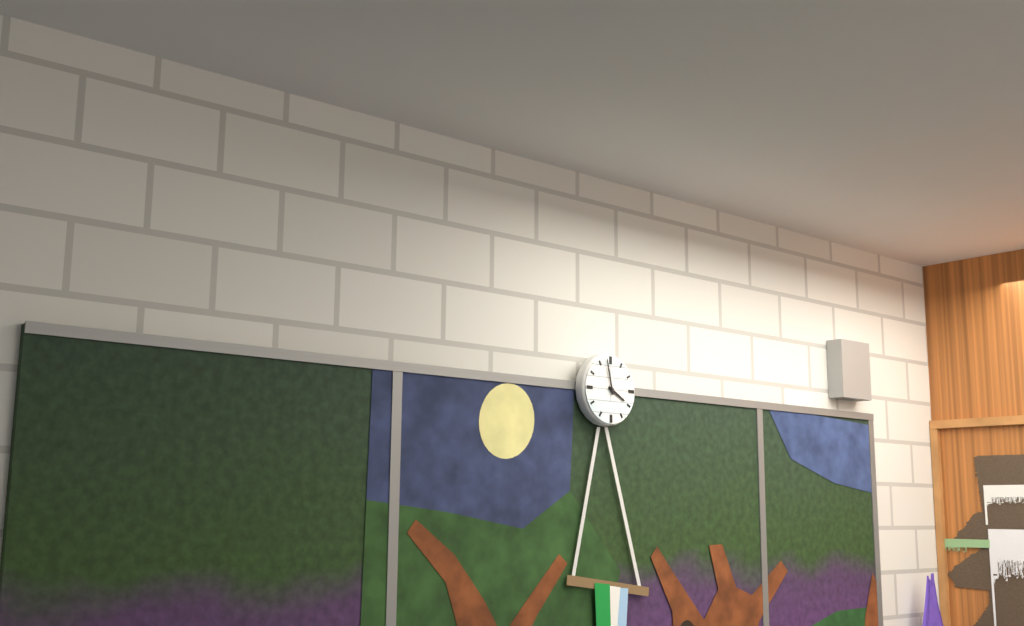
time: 3:58
